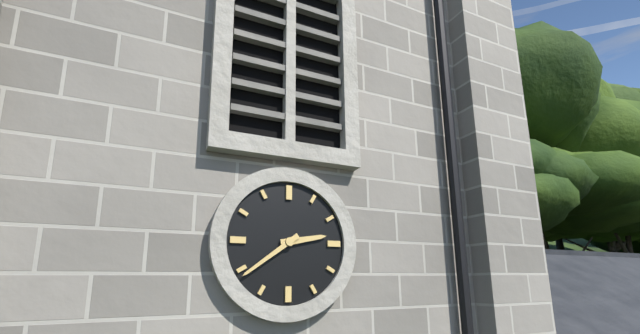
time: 2:39
